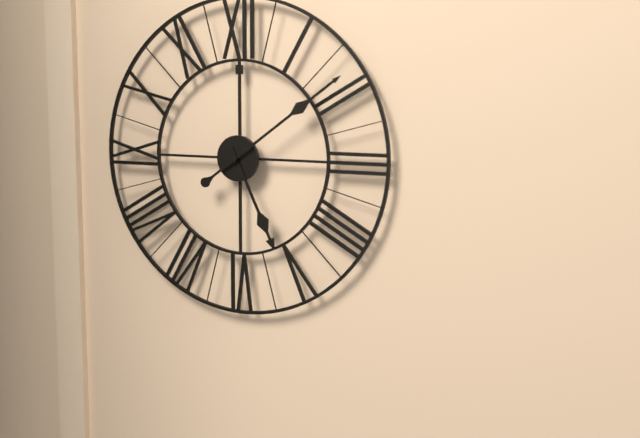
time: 5:09
